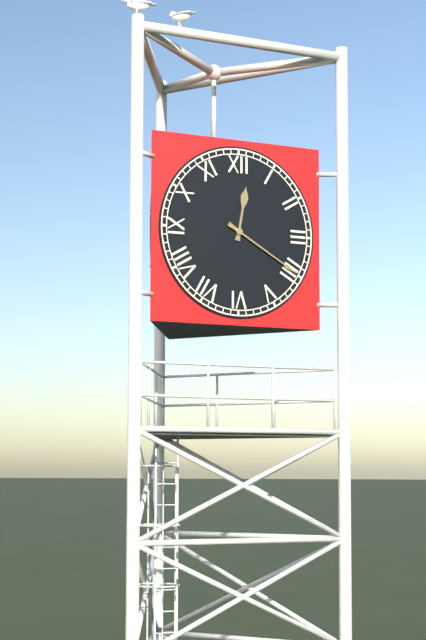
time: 12:20
